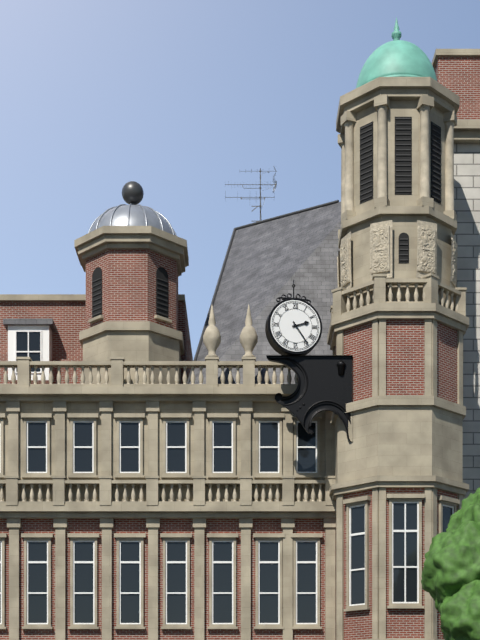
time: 2:24
